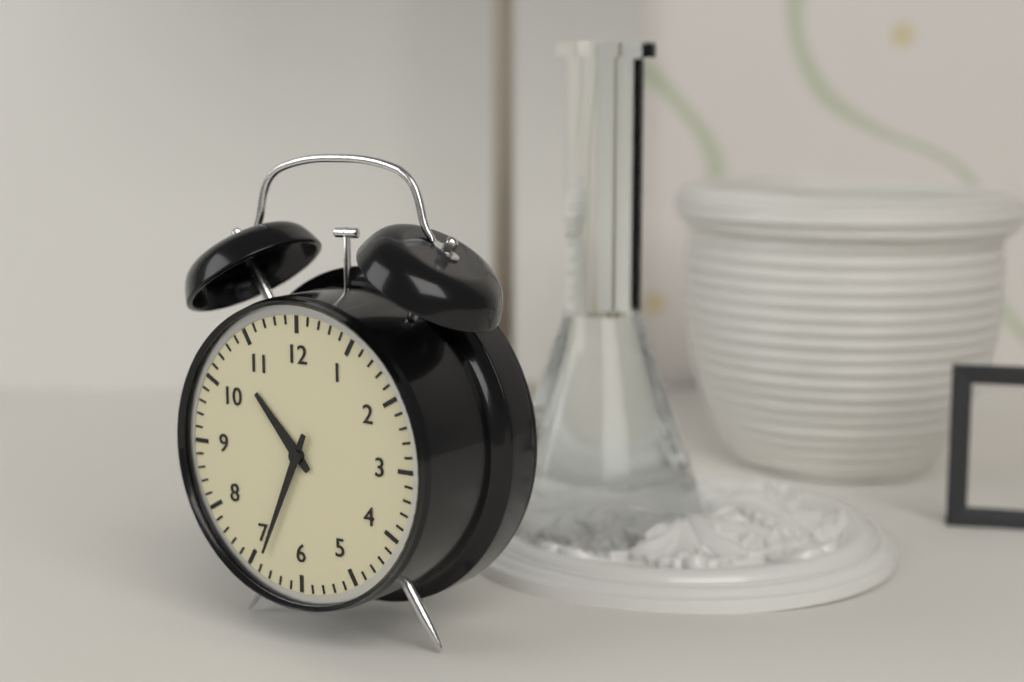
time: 10:34
